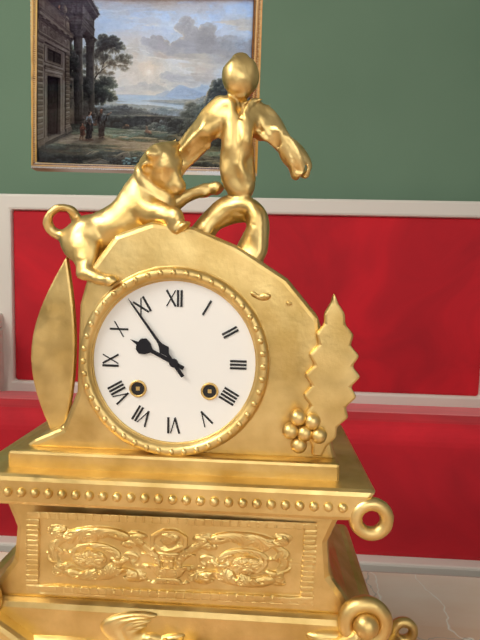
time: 9:54
